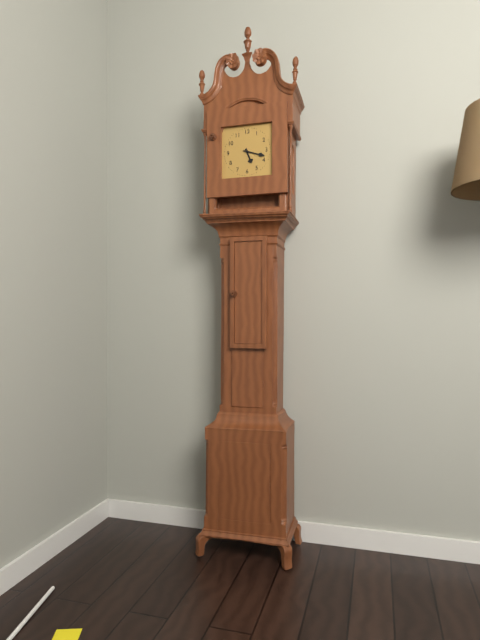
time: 5:18
